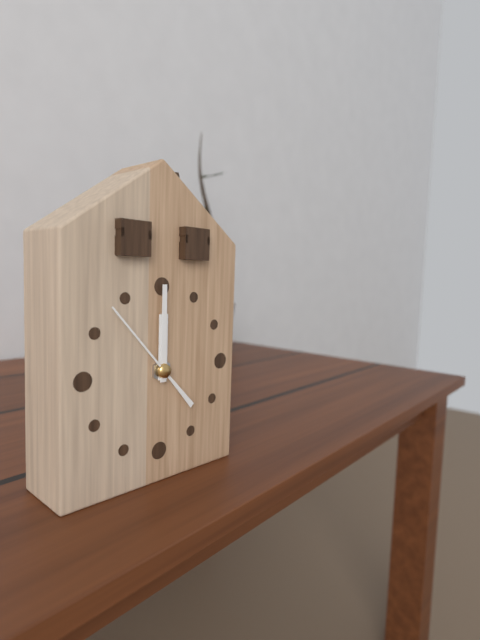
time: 12:00:53
